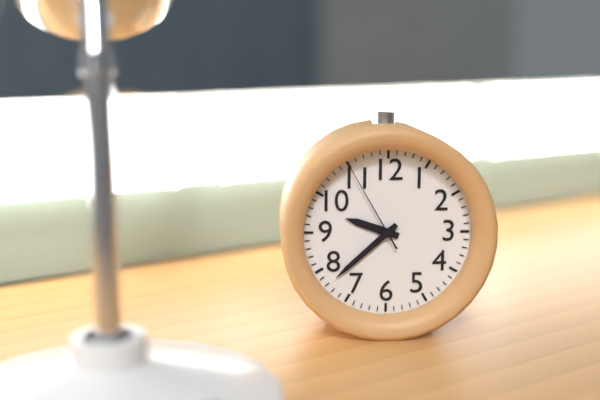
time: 9:38:55
